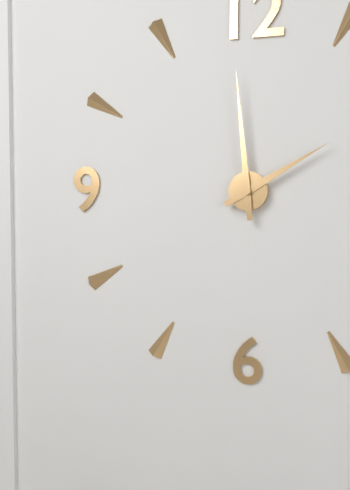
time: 1:59
